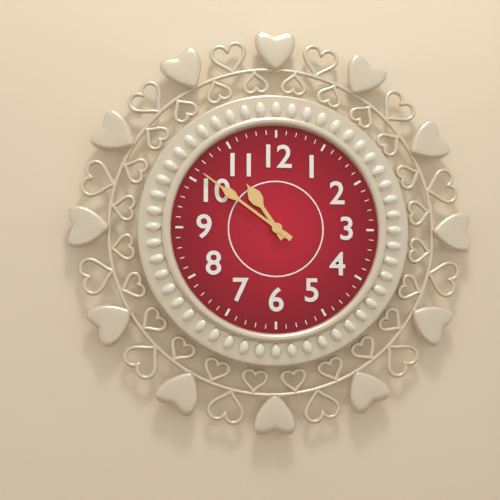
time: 10:51
